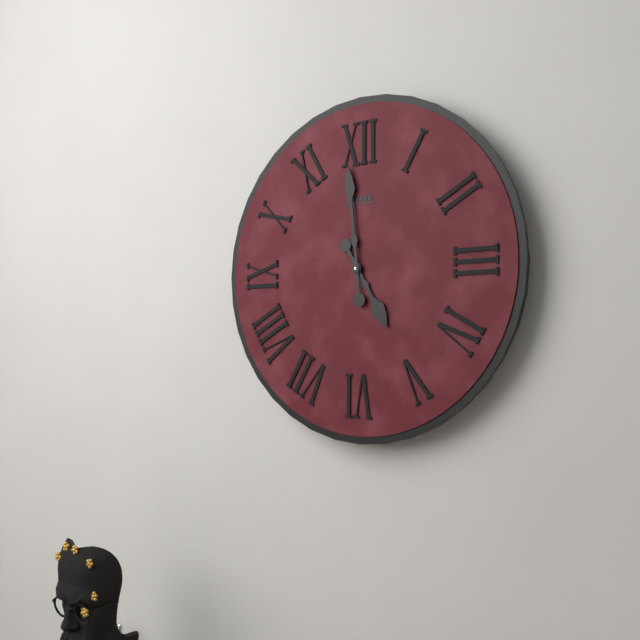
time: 4:59
